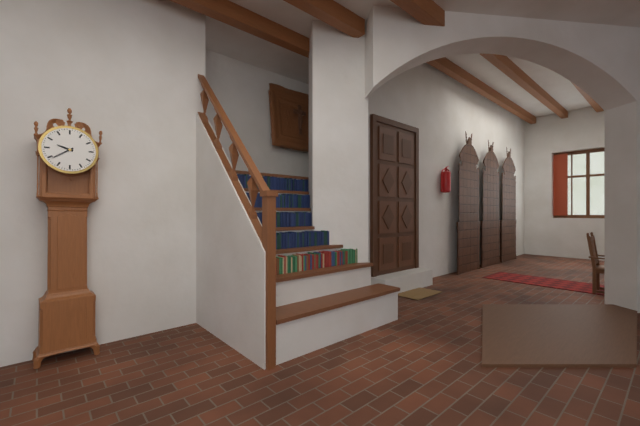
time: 9:39
